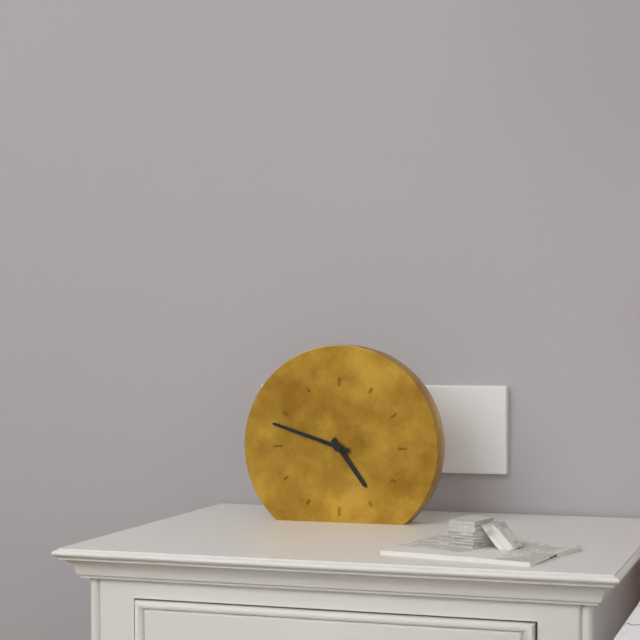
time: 4:48
